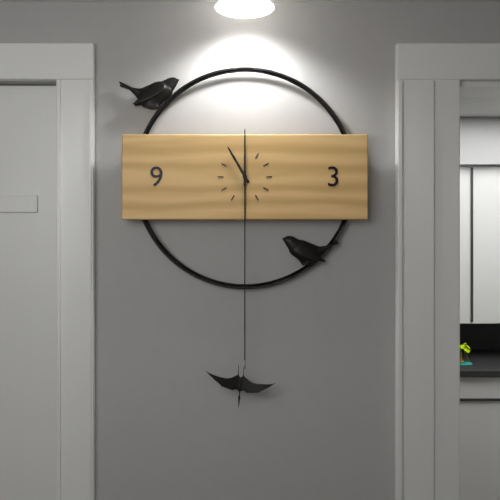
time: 11:00
